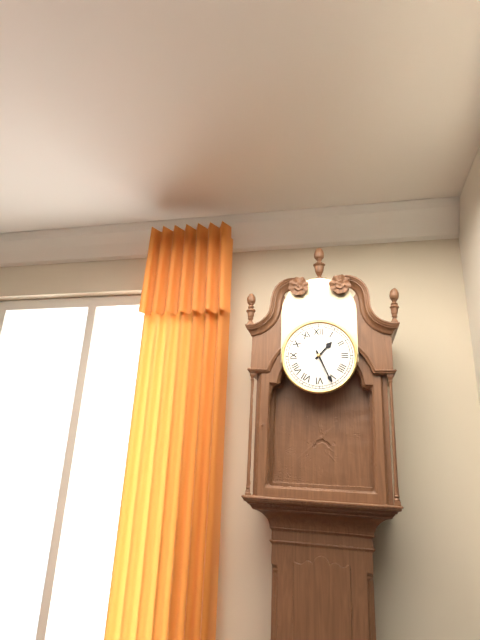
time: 1:26
